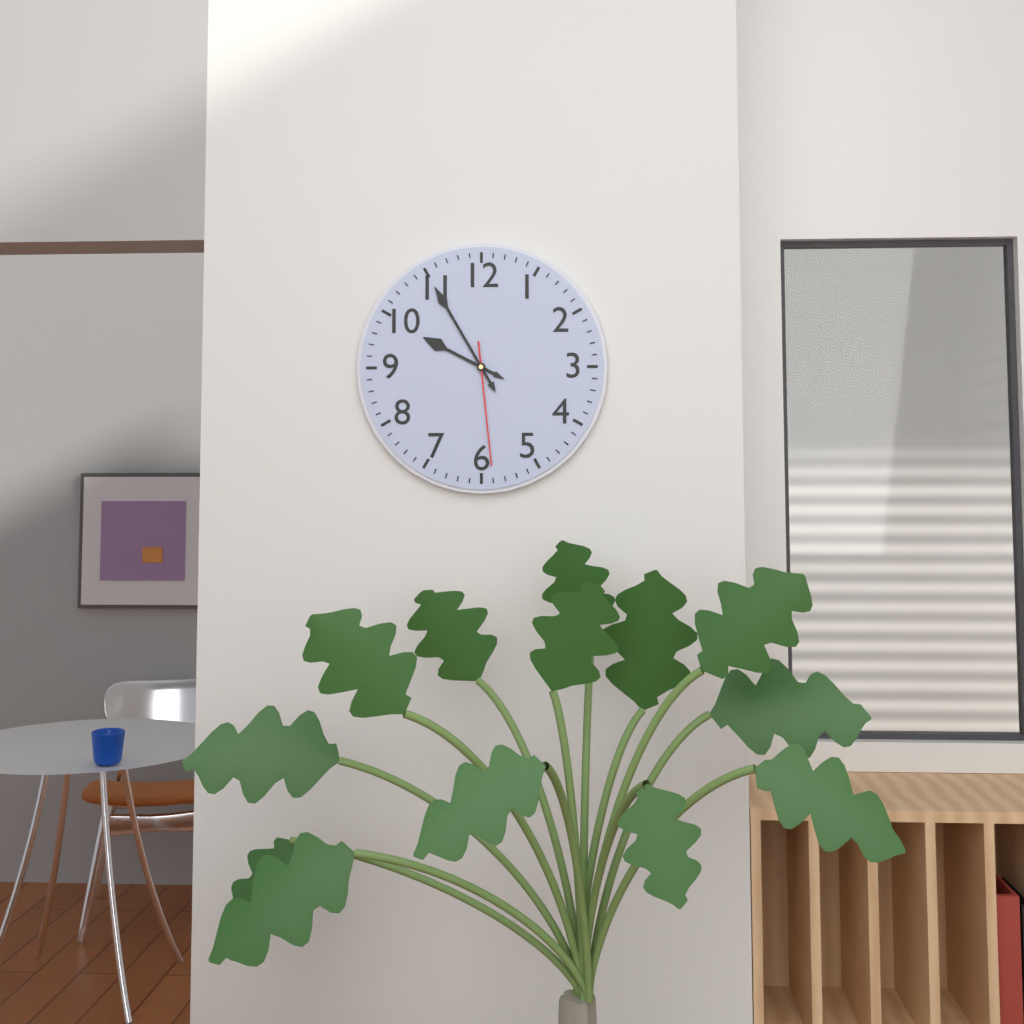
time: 9:55:29
